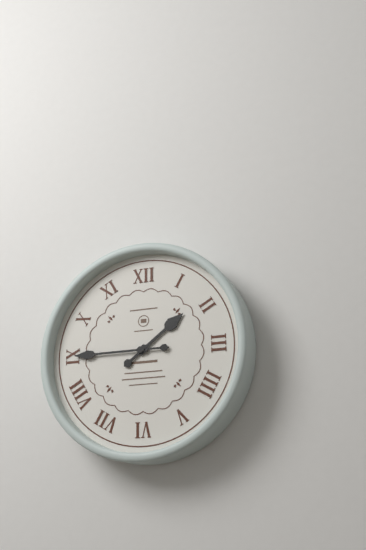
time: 1:45
